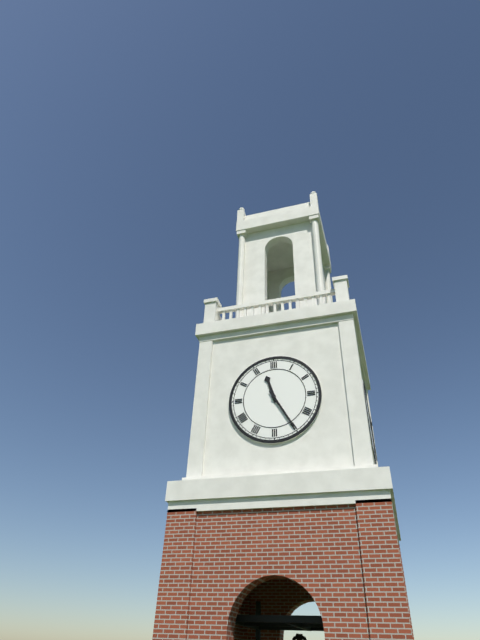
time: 11:25
